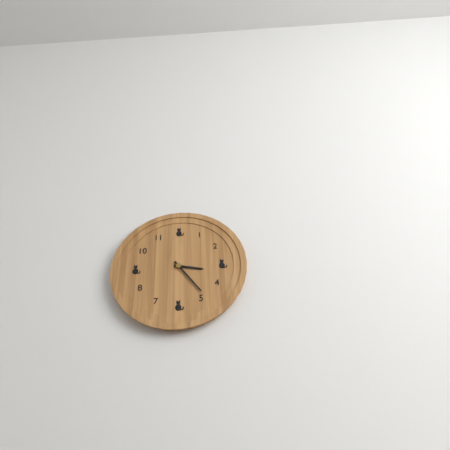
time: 3:24
